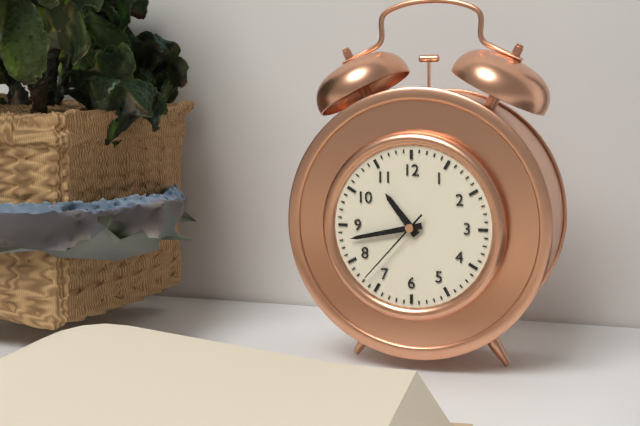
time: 10:43:37
